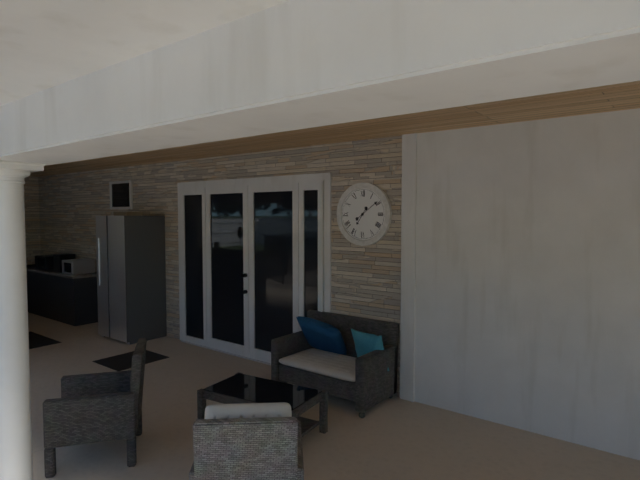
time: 7:09
